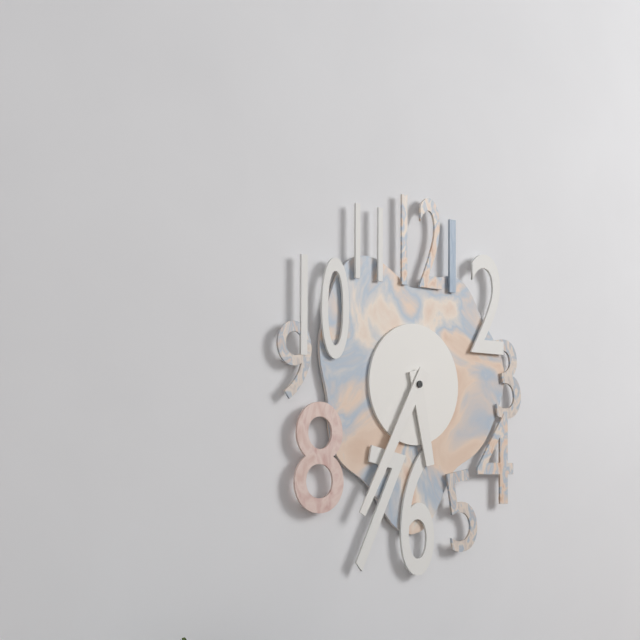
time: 5:35
